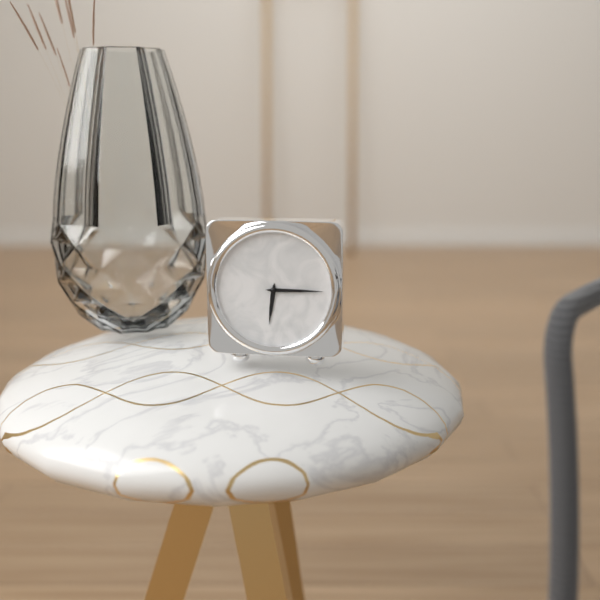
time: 6:15
